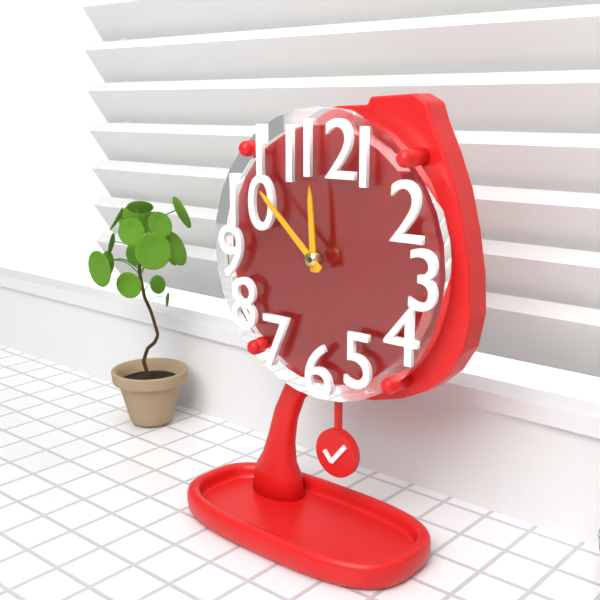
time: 11:52
